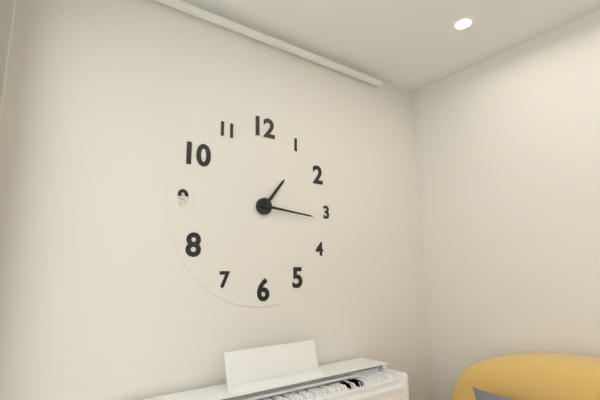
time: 1:16
